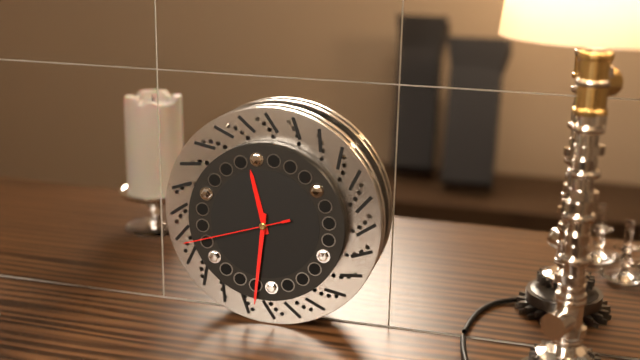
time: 11:31:42
